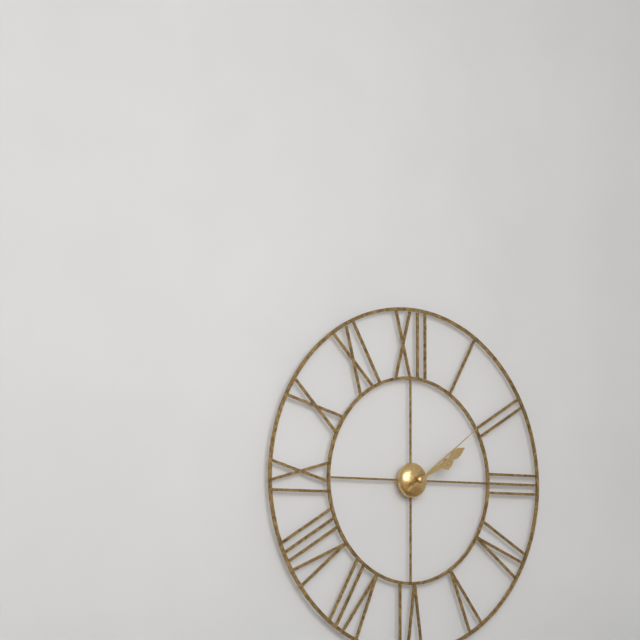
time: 2:10:09
